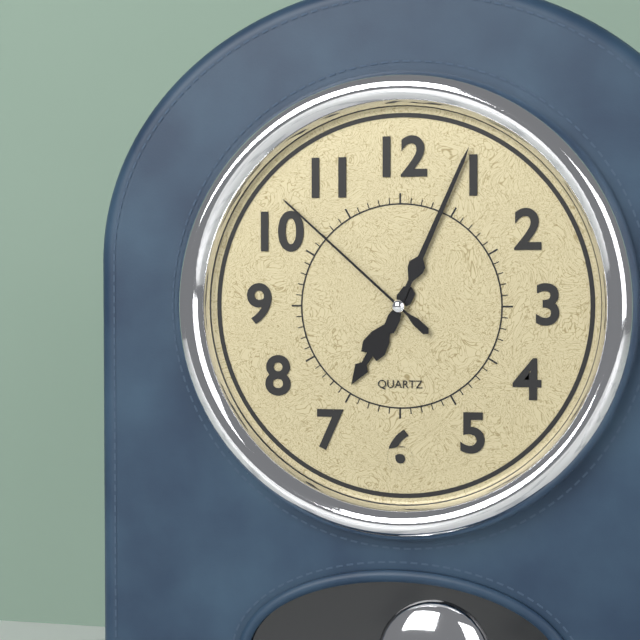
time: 7:04:52
